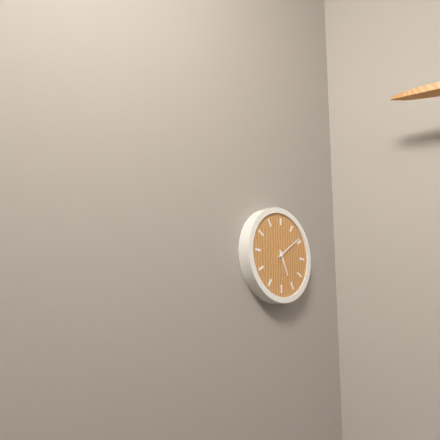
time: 5:09
